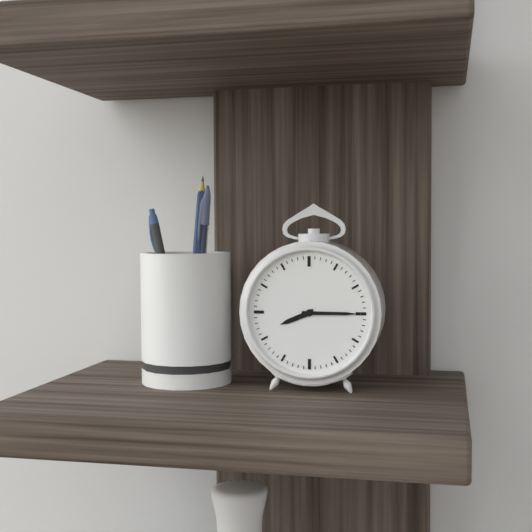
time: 8:15
